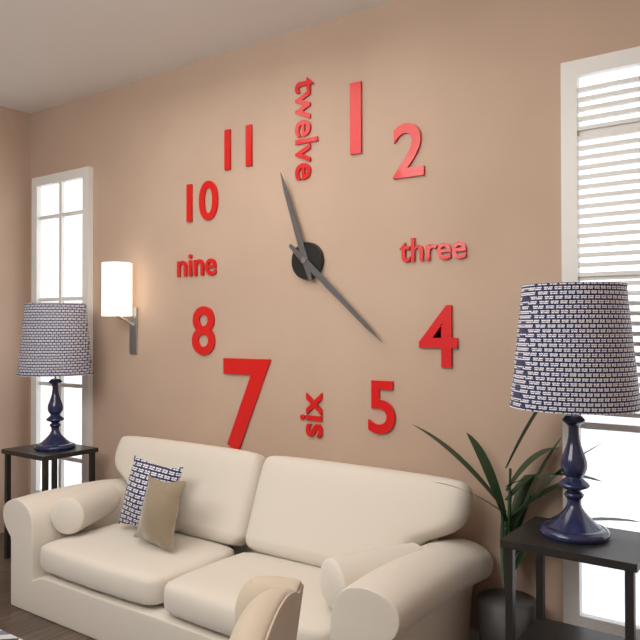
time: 11:22
